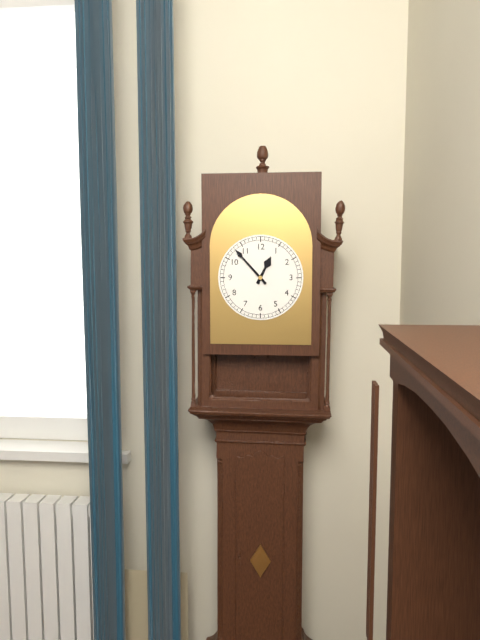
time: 12:53
